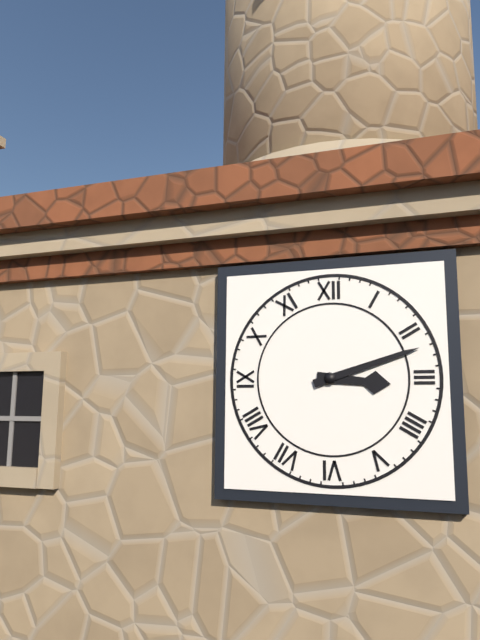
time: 3:12
